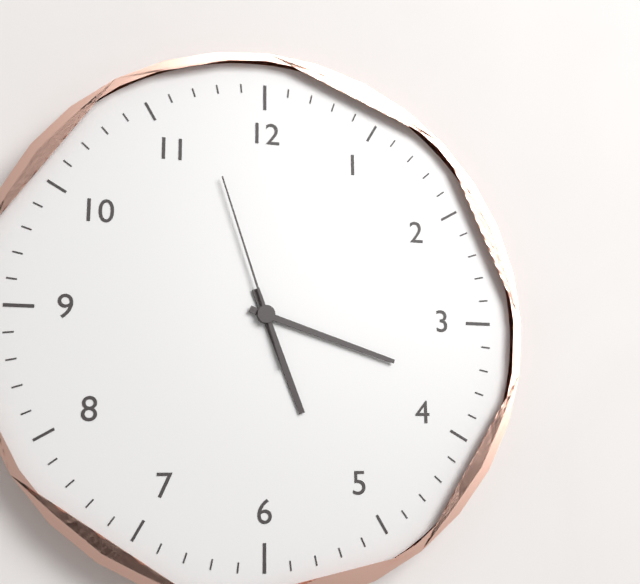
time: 5:18:57
